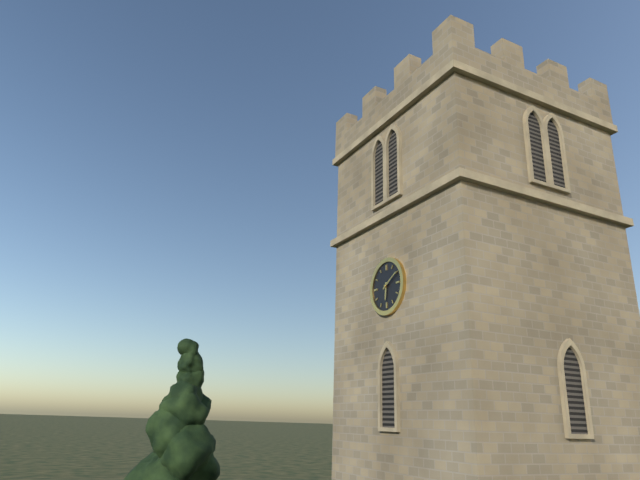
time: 6:10
